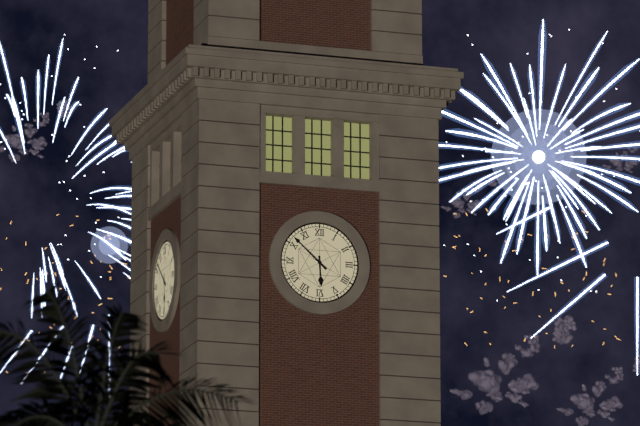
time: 5:52
